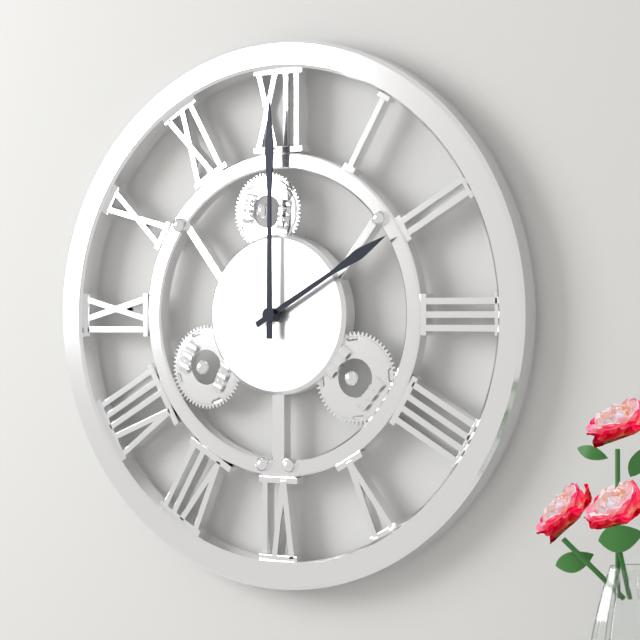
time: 2:00
